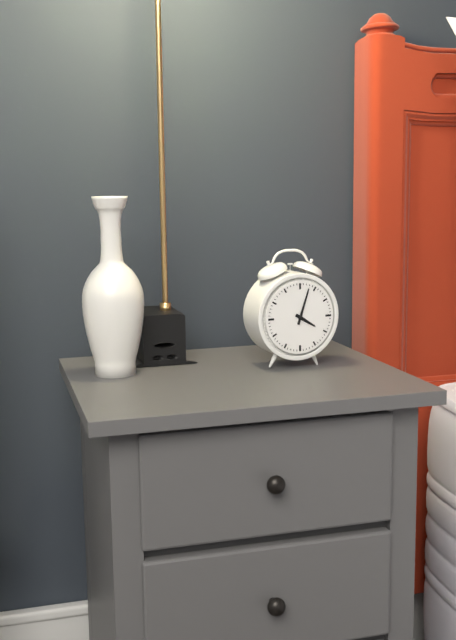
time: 4:03
